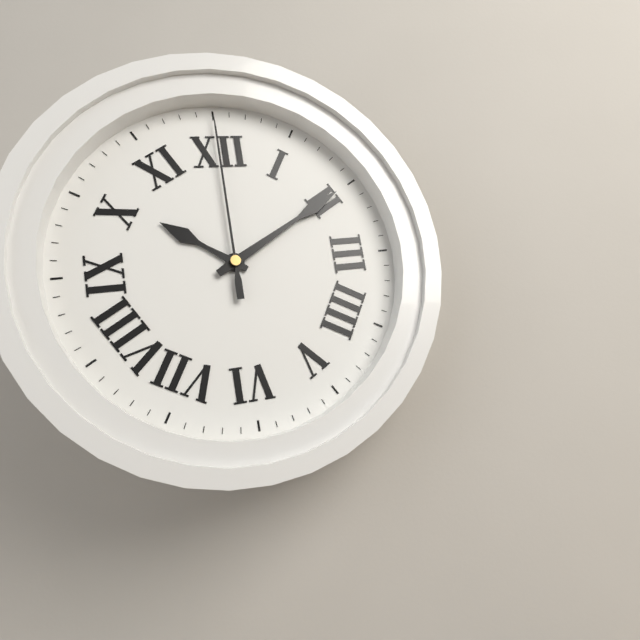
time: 10:10:00
